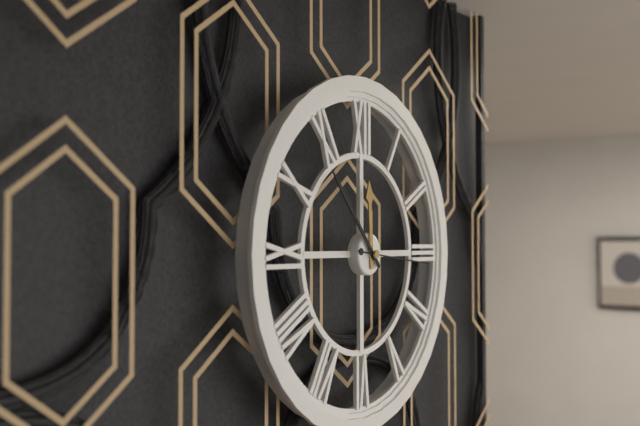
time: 11:53:16
